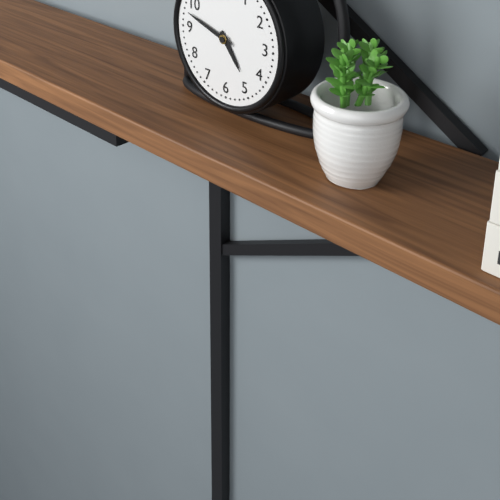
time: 4:48
